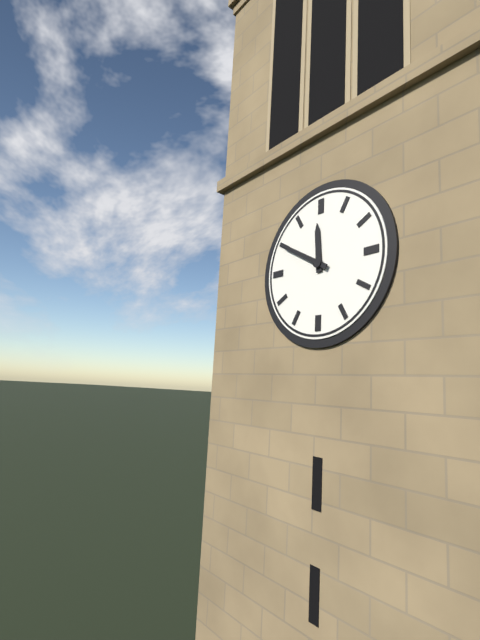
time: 11:50
